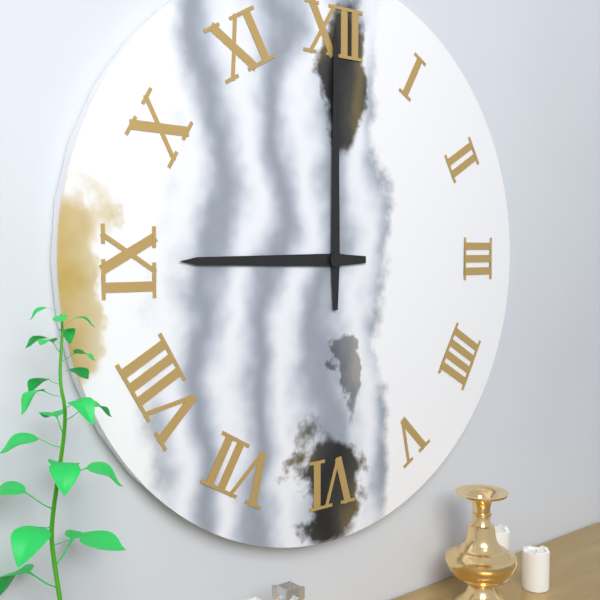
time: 9:00
